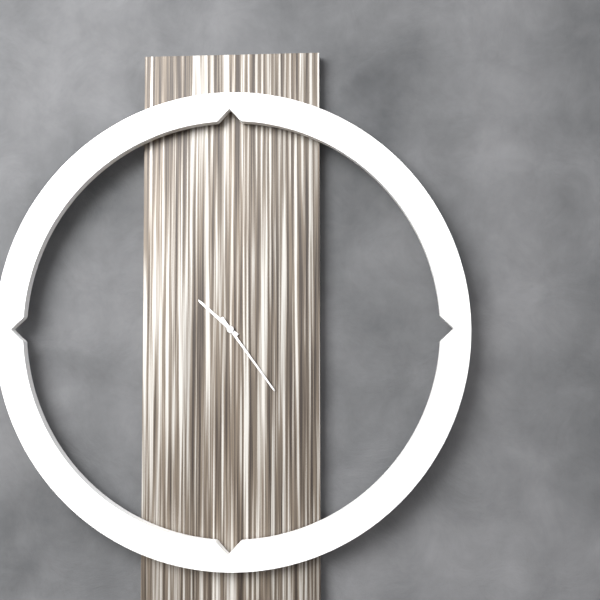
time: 10:24
